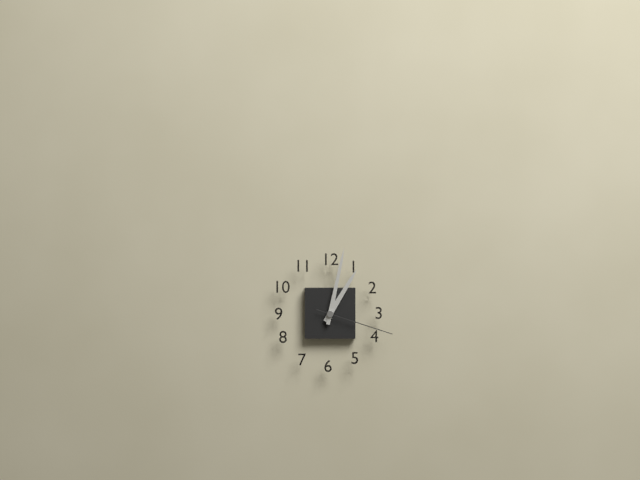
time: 1:02:18
